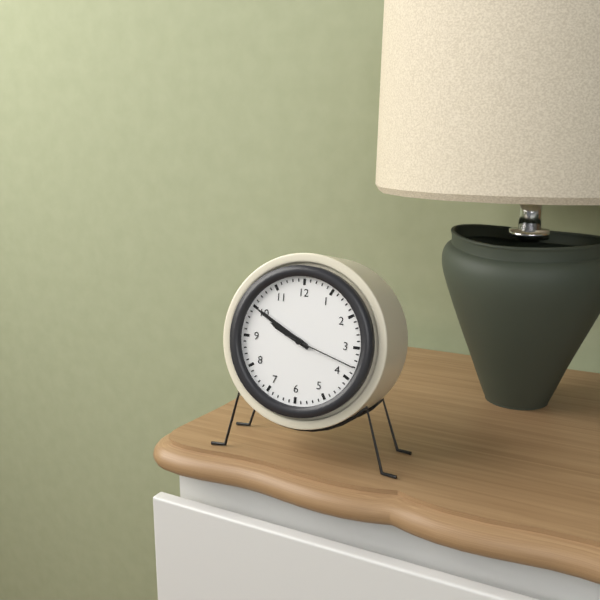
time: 9:50:18
